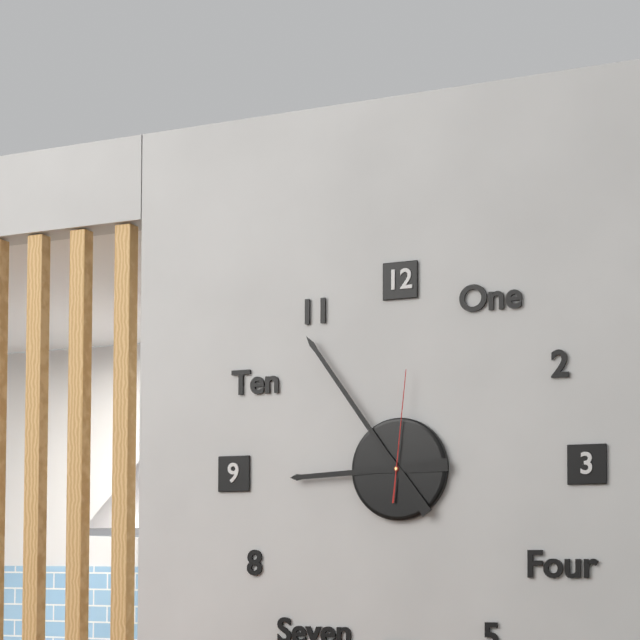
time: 8:54:01
